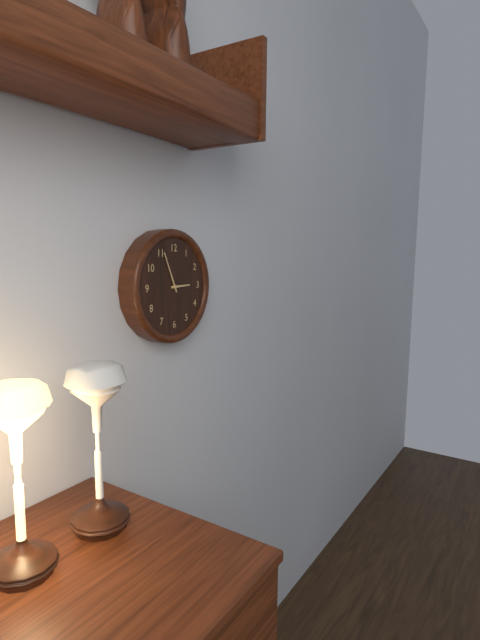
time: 2:56
